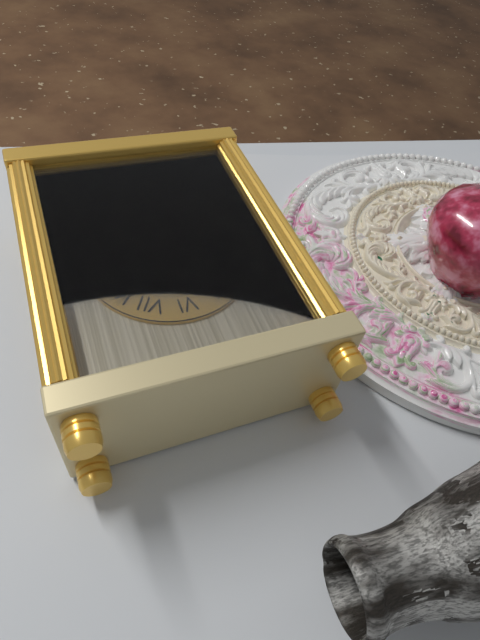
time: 12:39
